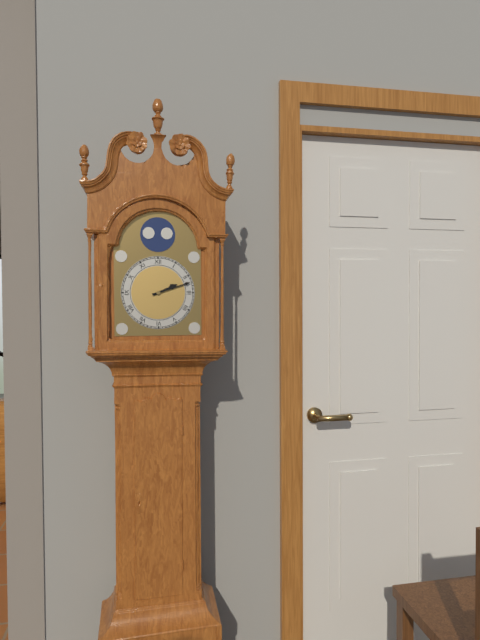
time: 2:12
